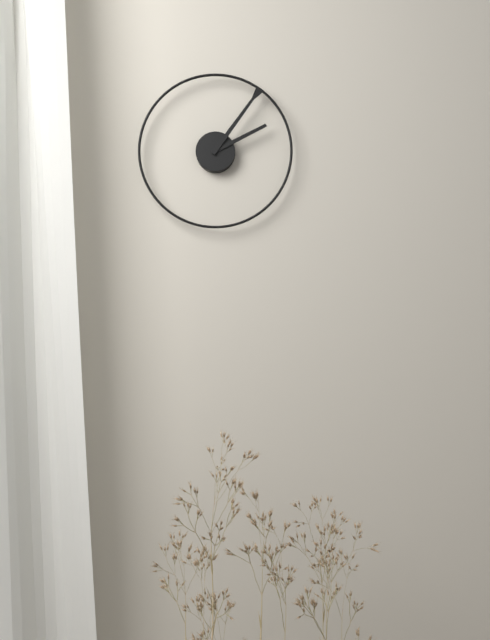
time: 2:06
